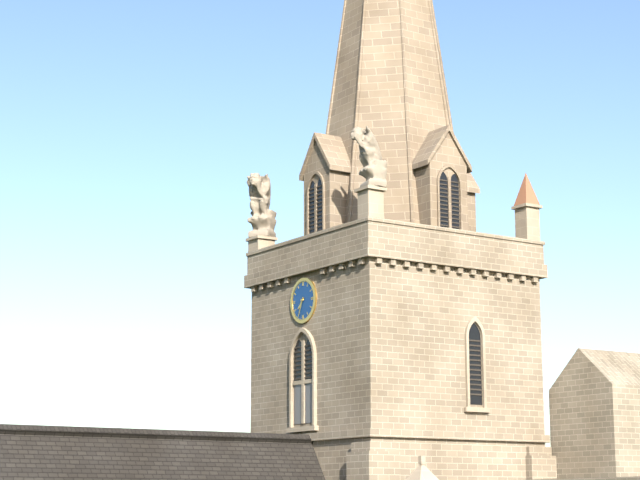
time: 7:34
